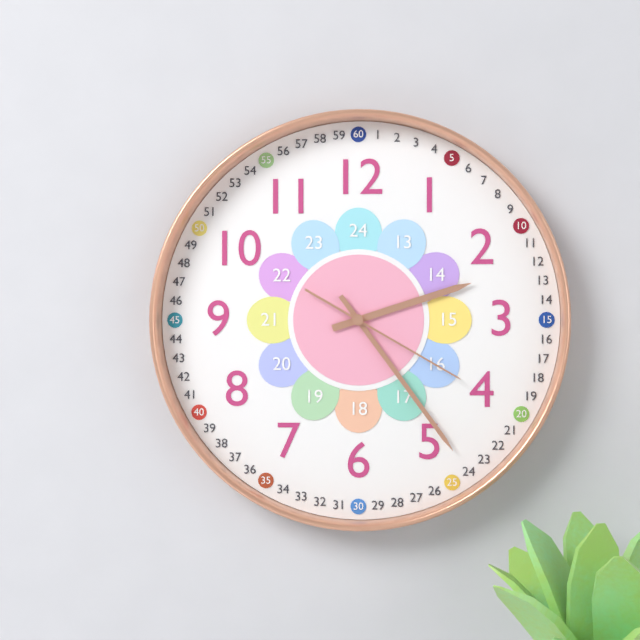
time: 2:24:20
